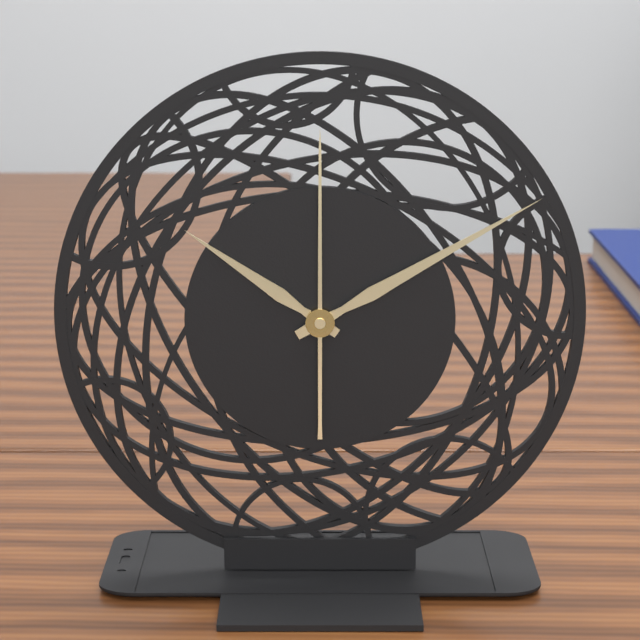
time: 10:10:00
